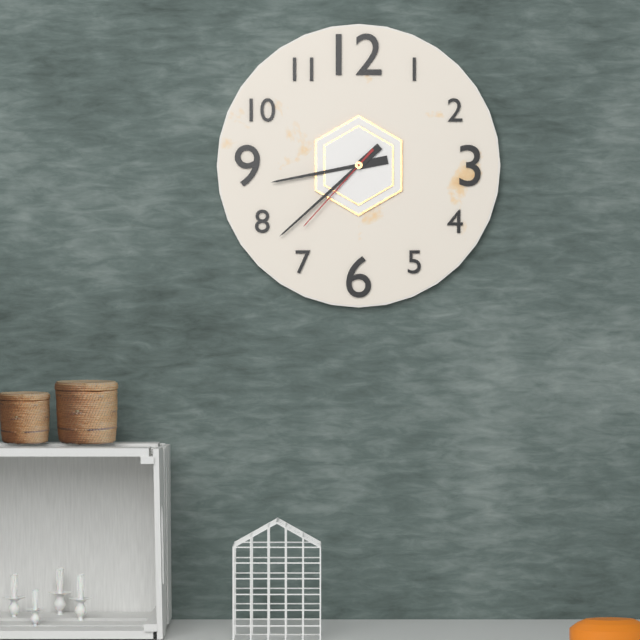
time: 8:38:37
